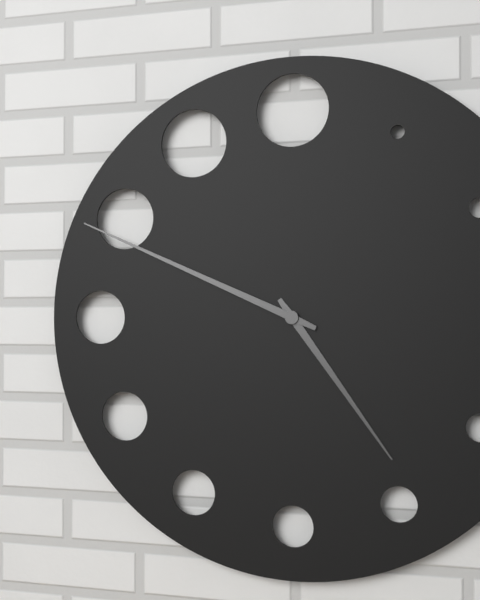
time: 4:49
